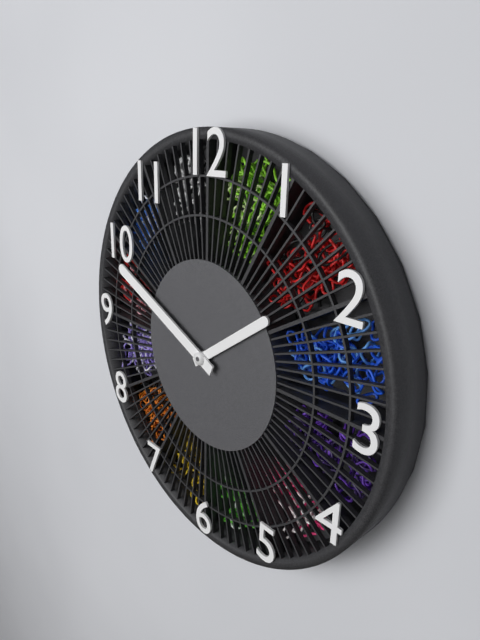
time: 1:49
